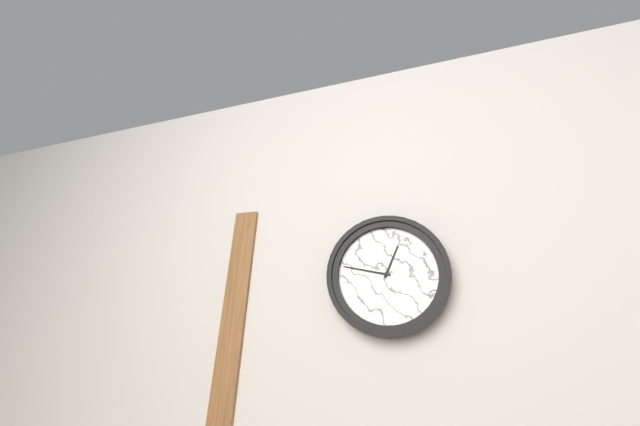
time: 12:47
